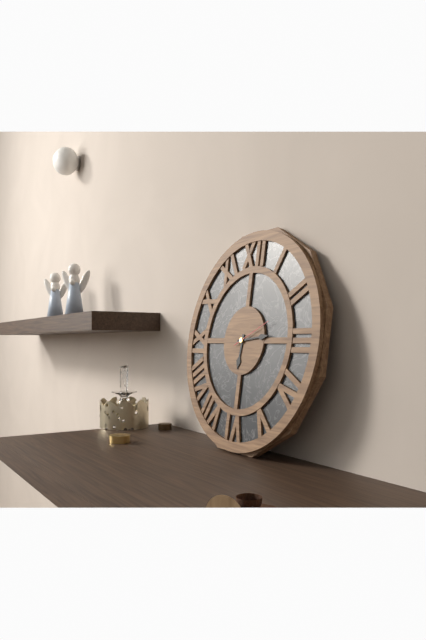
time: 6:14
